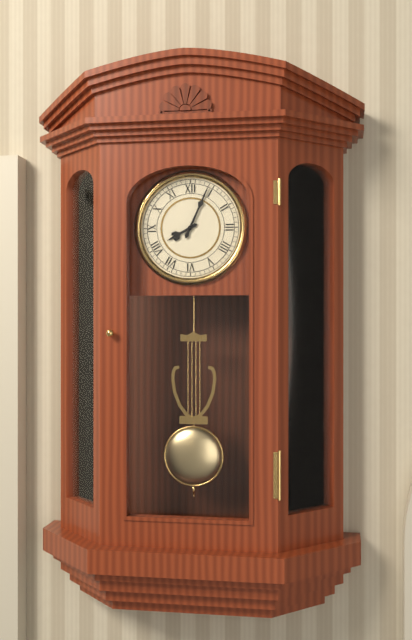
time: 8:04
